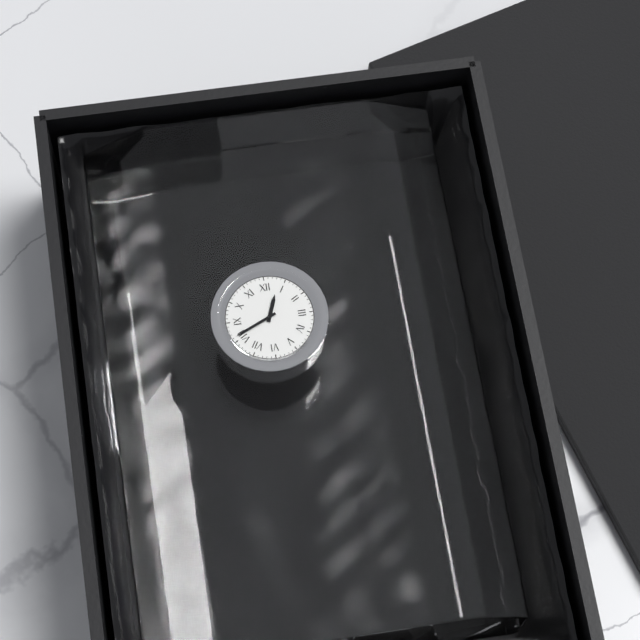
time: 12:41
